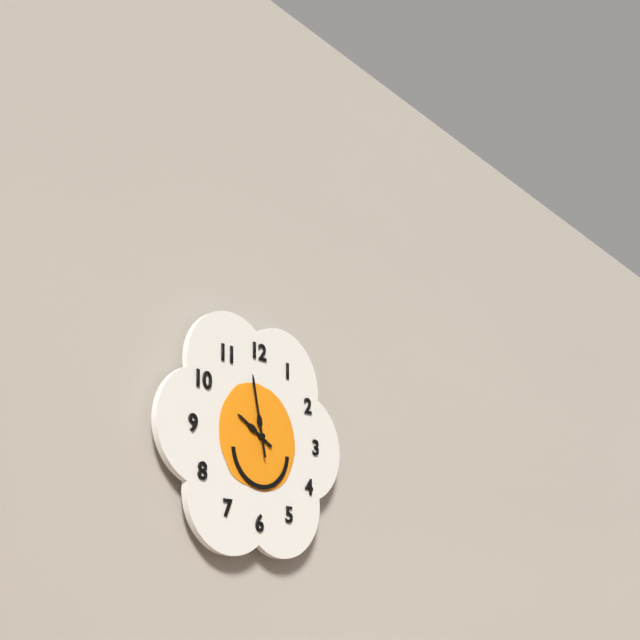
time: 9:58
